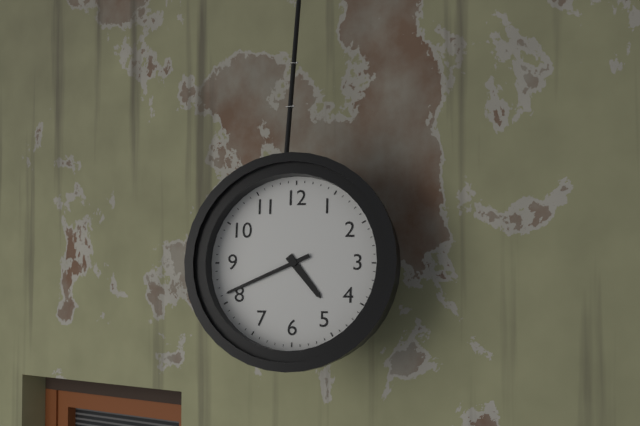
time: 4:41
